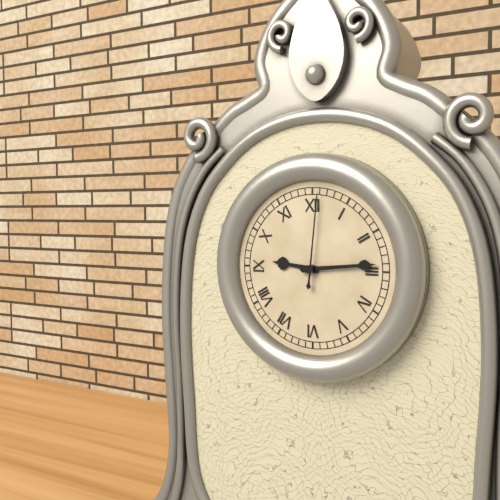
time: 9:14:01
